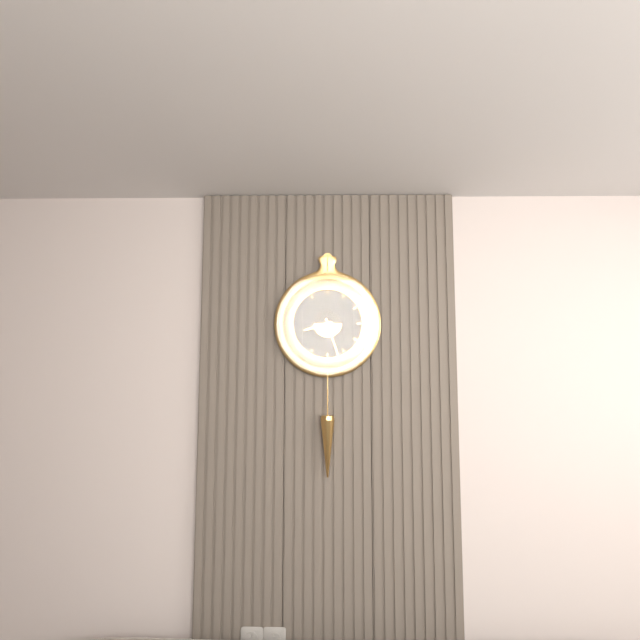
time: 8:27
